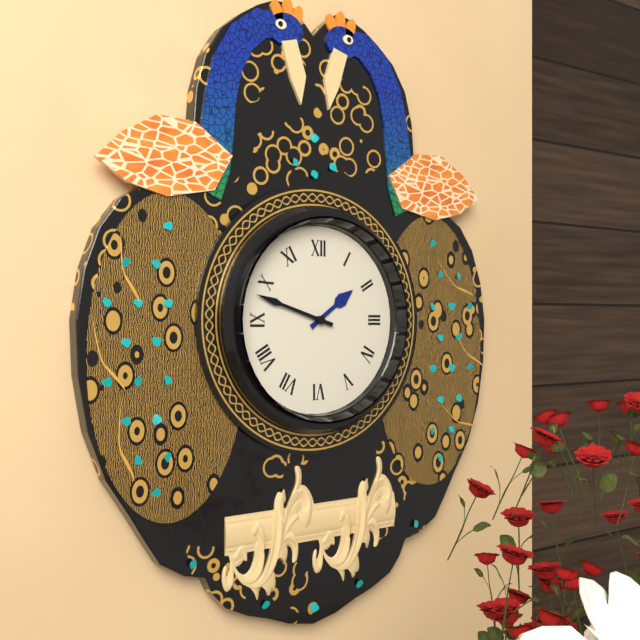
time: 1:48
